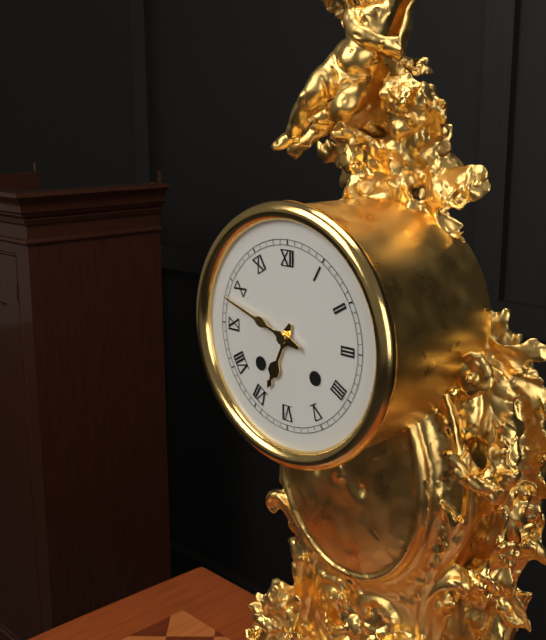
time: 6:48
